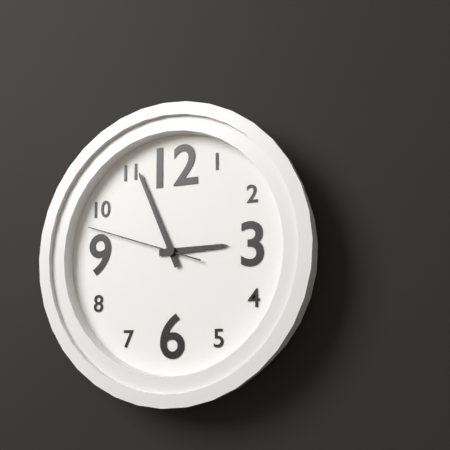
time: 2:56:48
